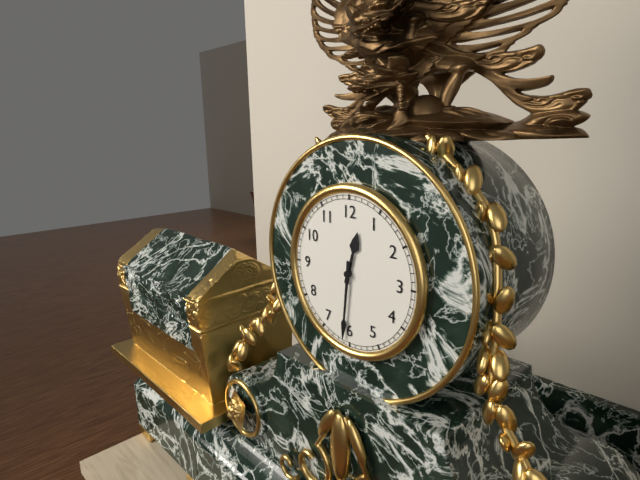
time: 12:31
